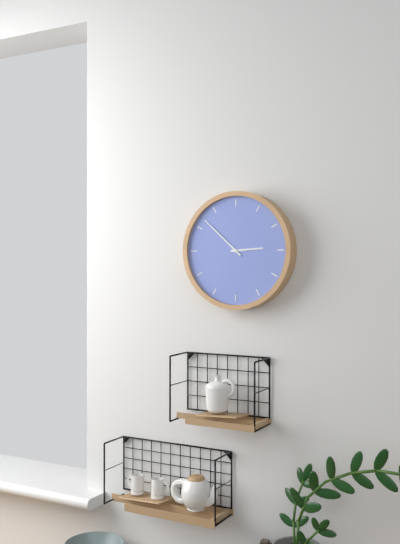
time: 2:52
